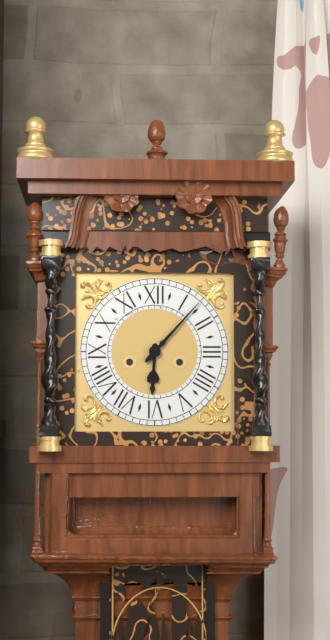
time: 6:07
